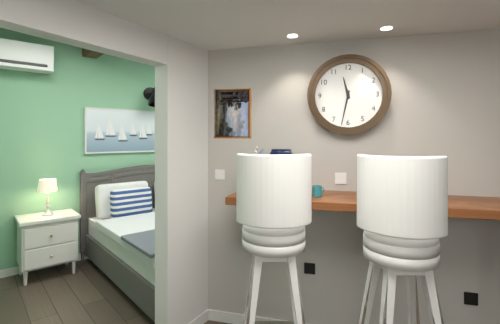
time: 11:32
